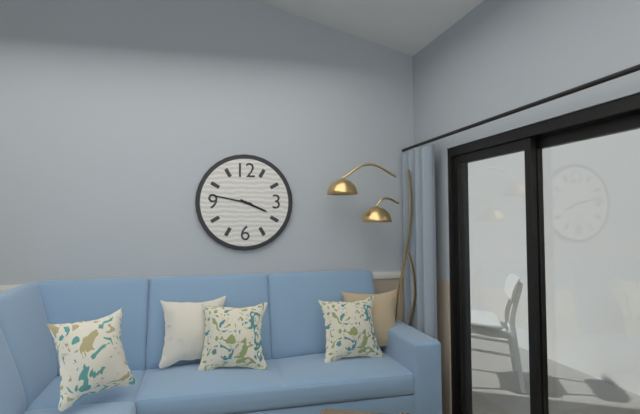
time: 3:47
